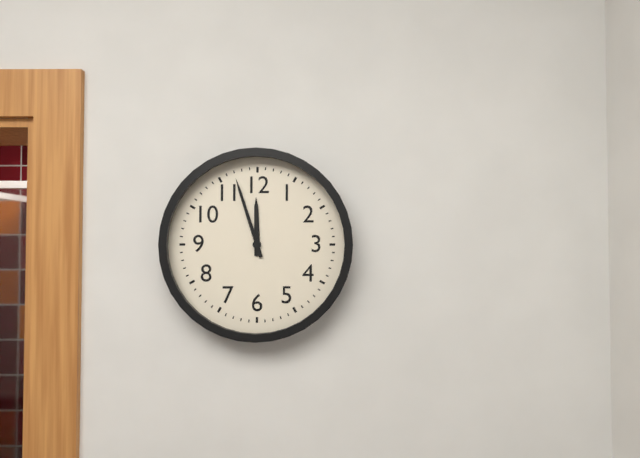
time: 11:57
